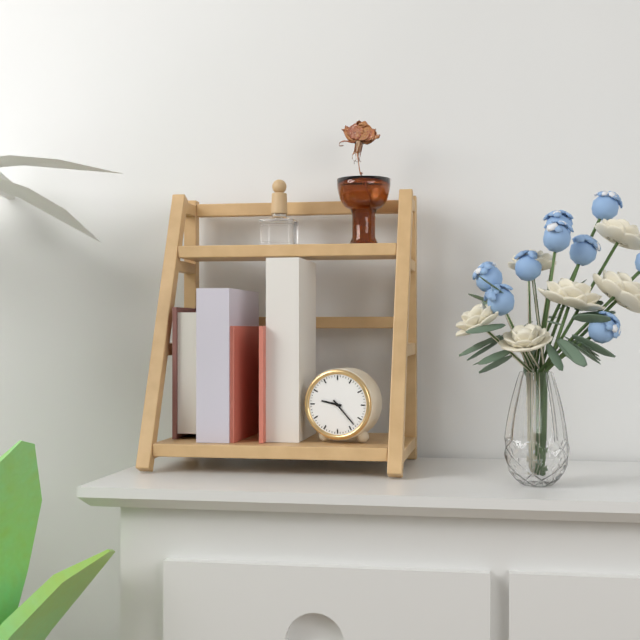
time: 9:23
